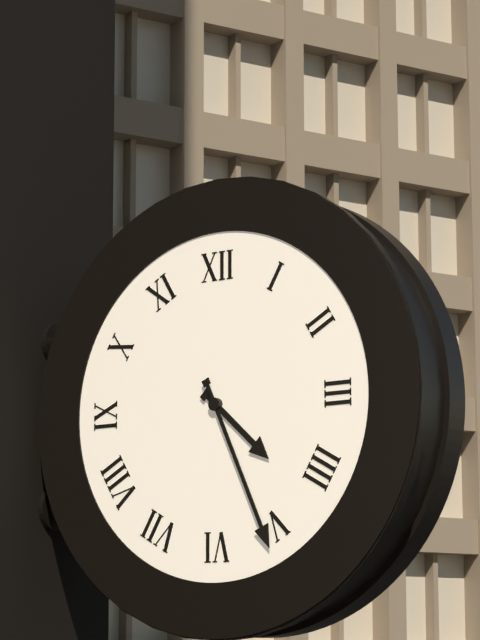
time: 4:26
